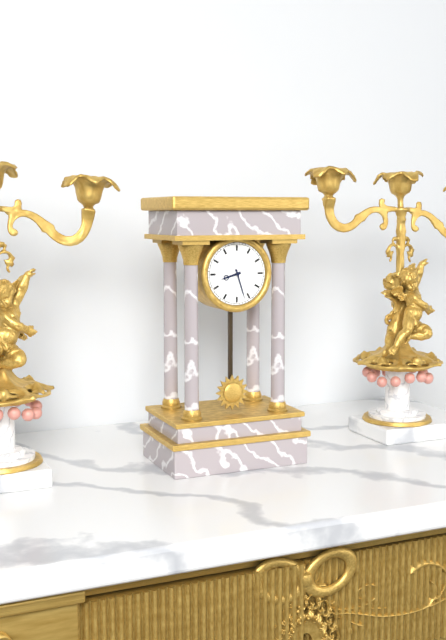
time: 8:27
